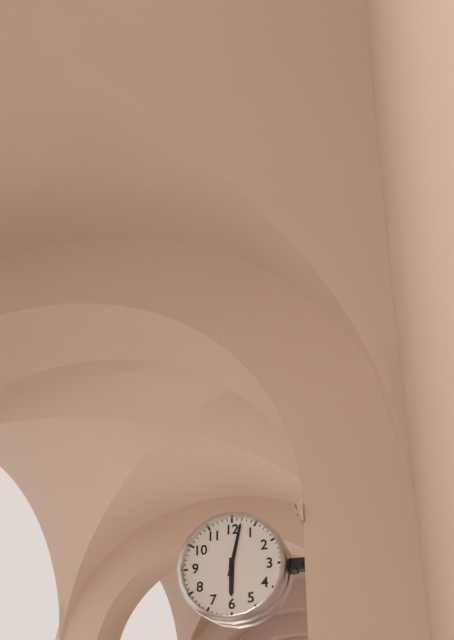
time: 6:02
